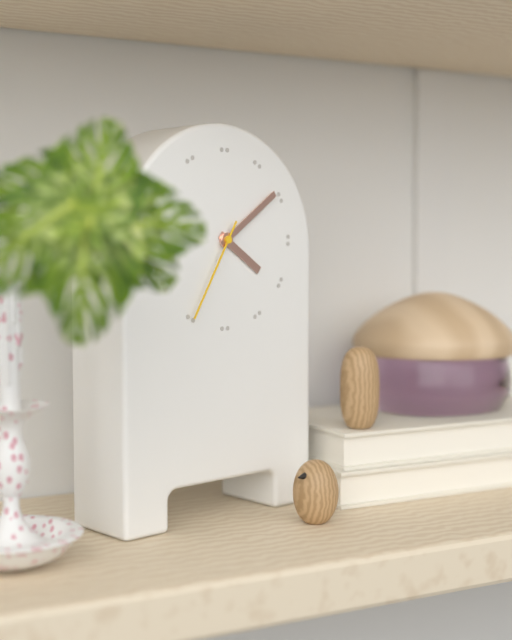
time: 4:09:35
